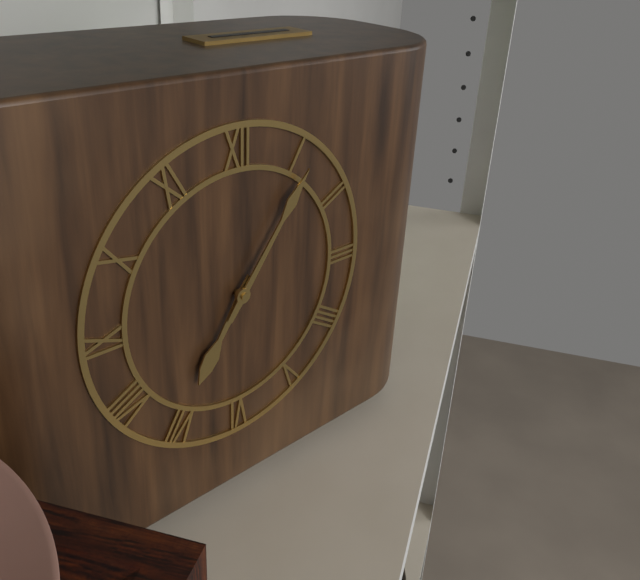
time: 7:06
